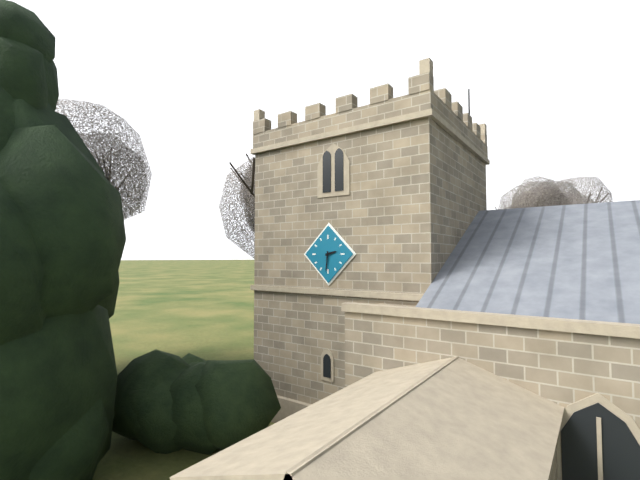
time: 2:31
